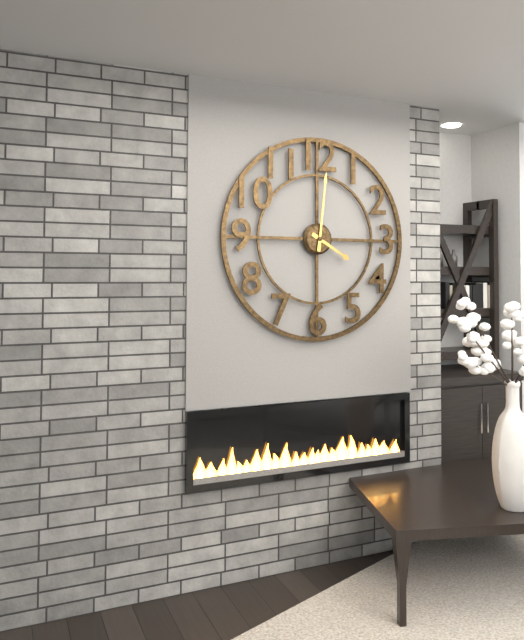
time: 4:01
